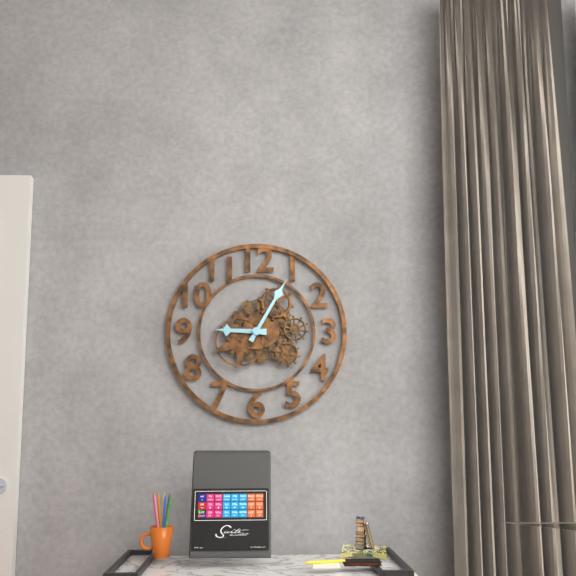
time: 9:05
